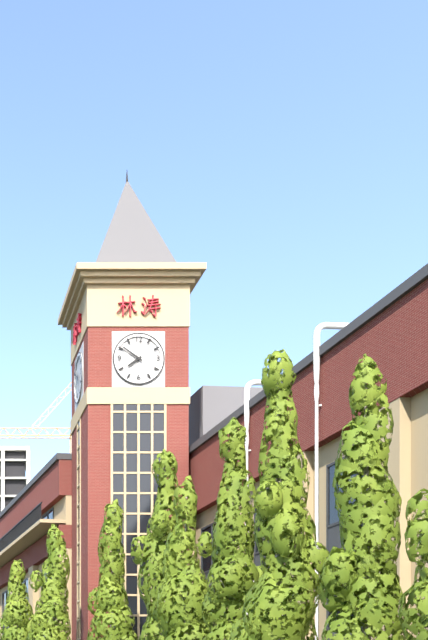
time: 7:51
